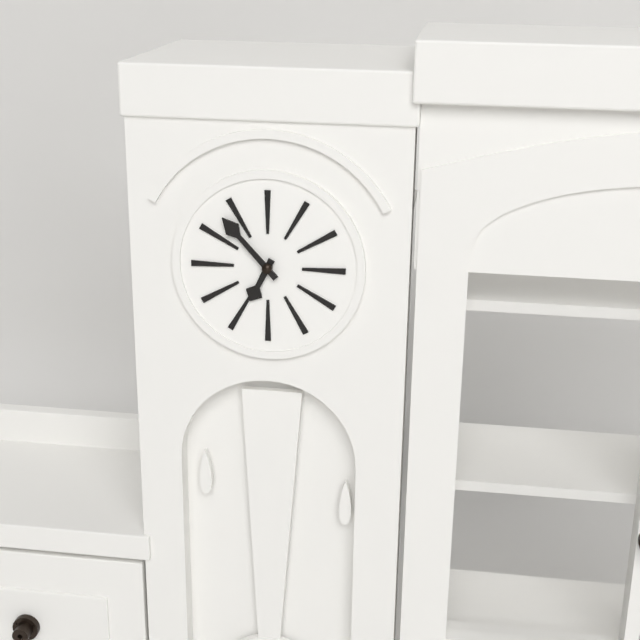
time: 6:53
